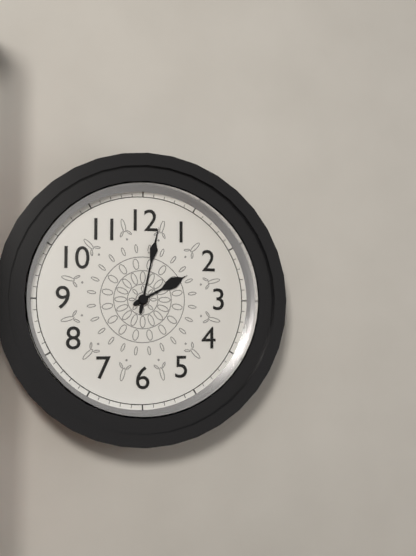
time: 2:02
